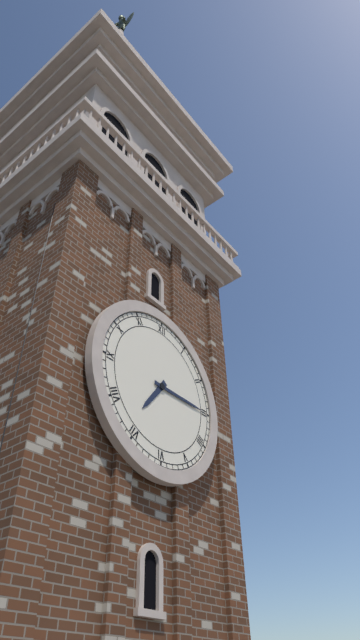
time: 7:15
